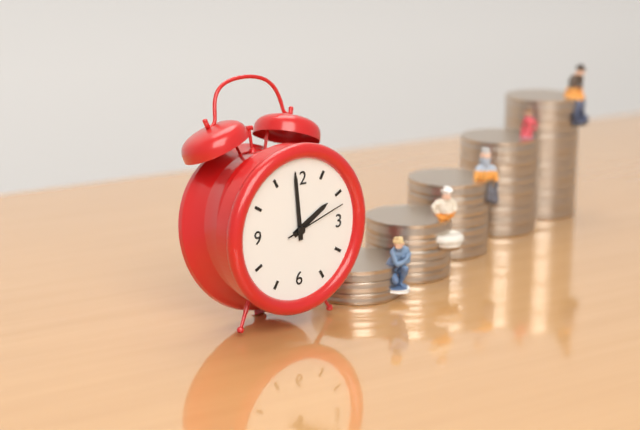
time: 1:59:12
